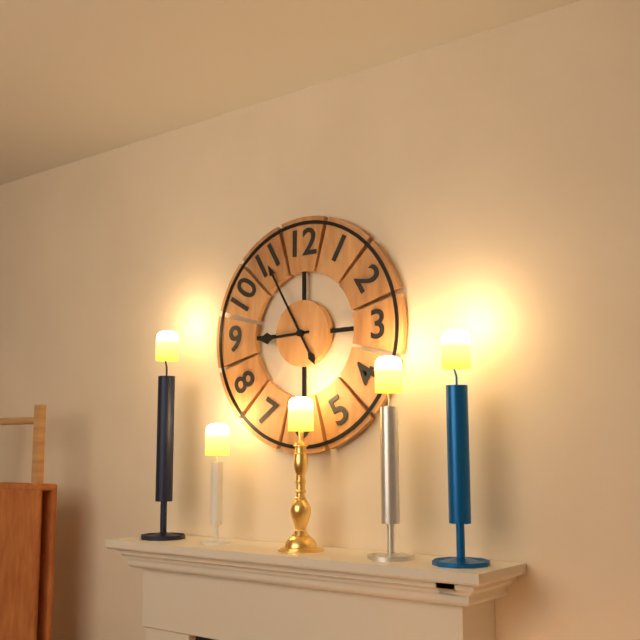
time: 8:55
